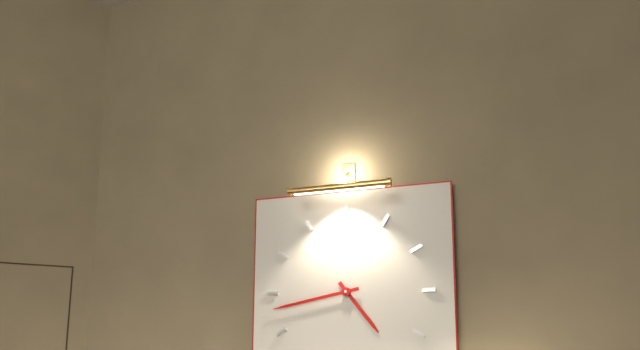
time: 4:43
